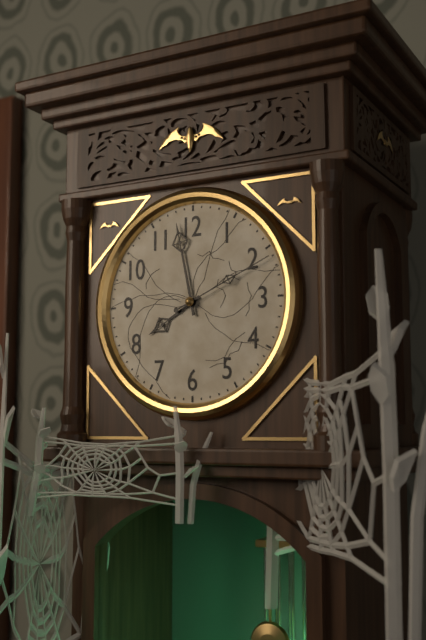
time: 7:58:11
